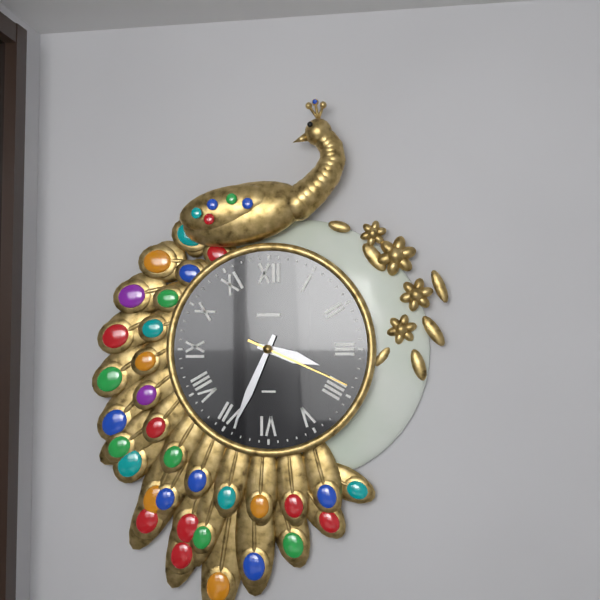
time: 3:34:19
